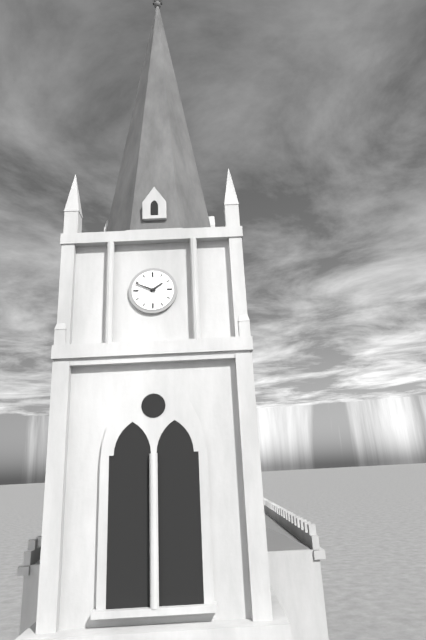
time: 1:49
